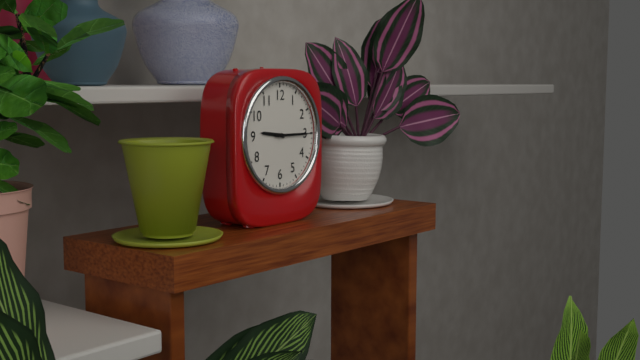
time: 9:15
